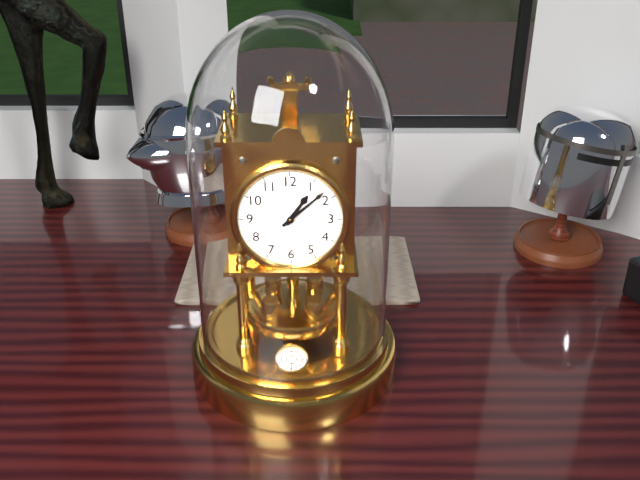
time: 1:08
